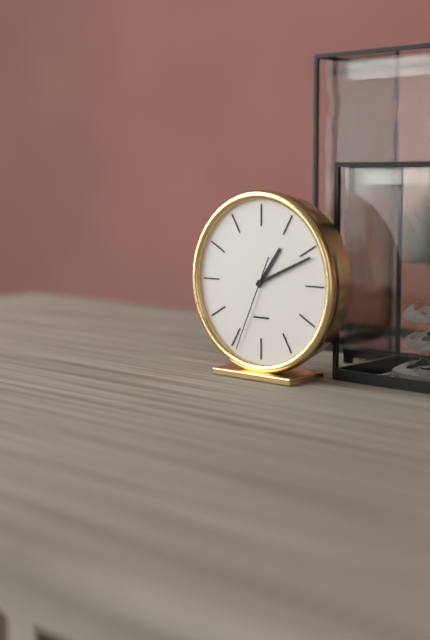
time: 1:11:34
